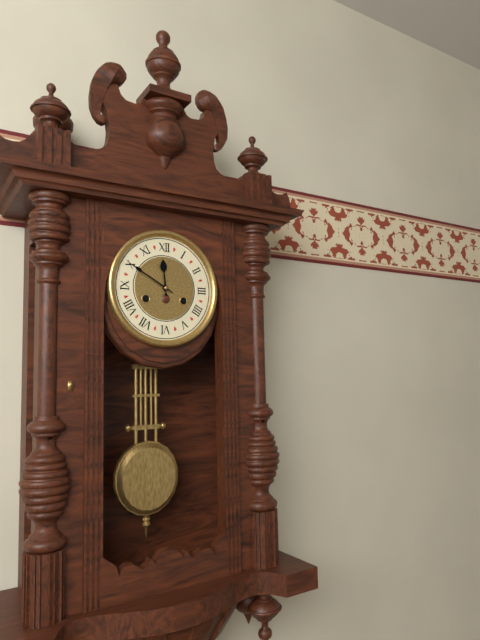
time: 11:50
